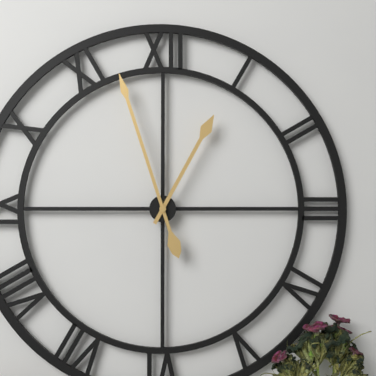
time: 12:57
